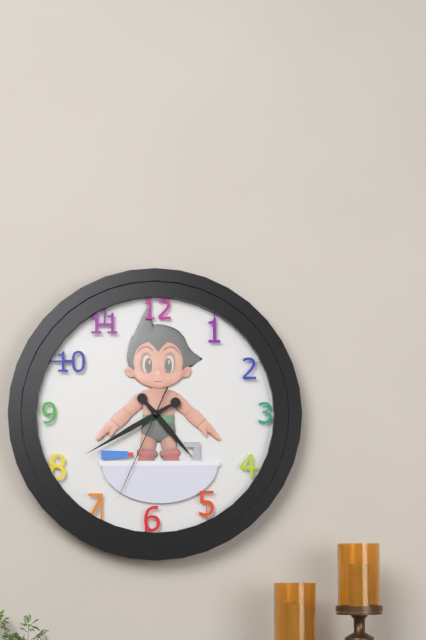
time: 4:40:34
